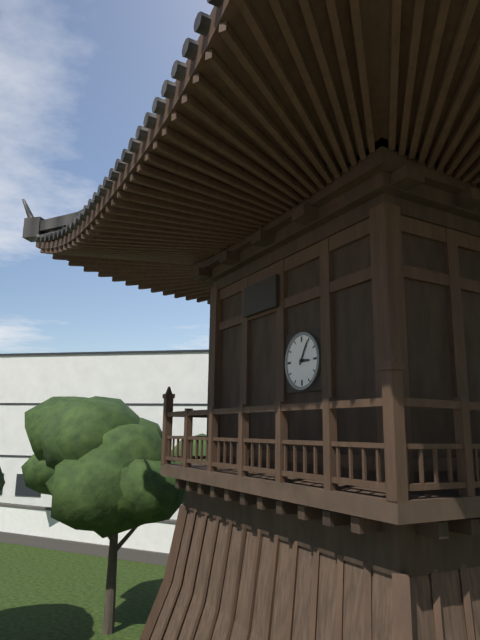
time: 3:05
